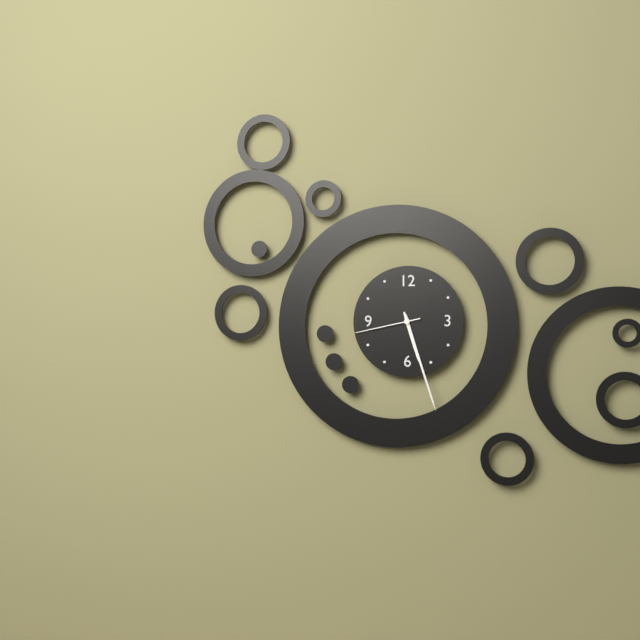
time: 5:27:43
